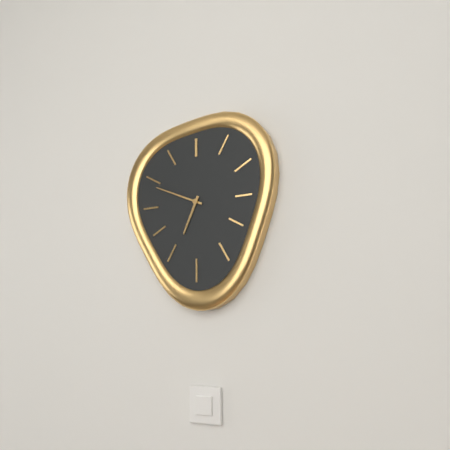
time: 6:49
